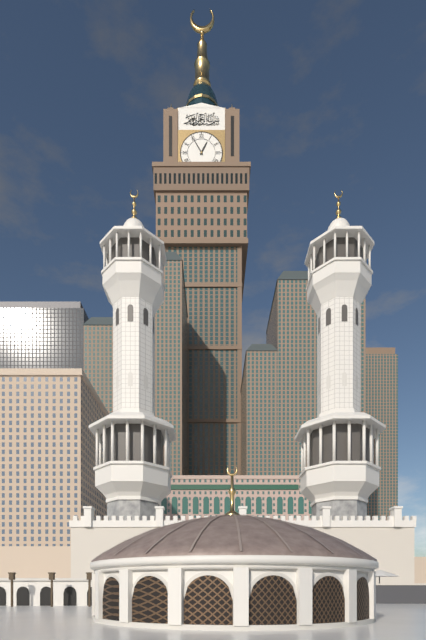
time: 12:55
